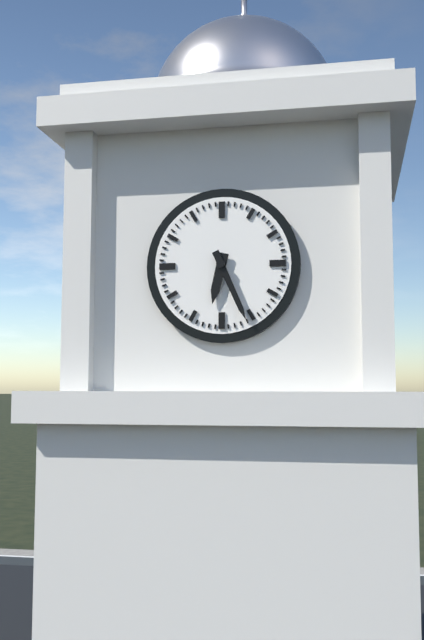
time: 6:26
